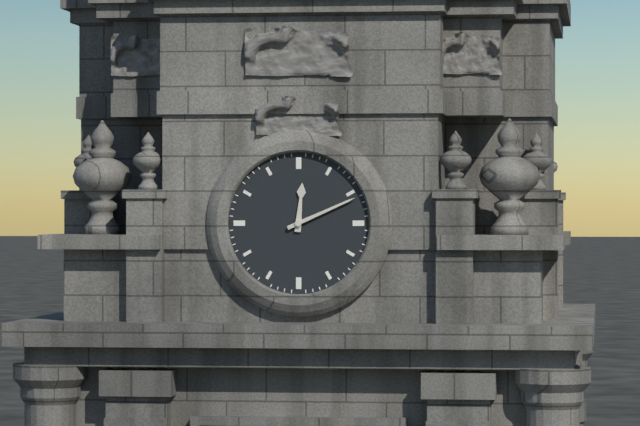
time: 12:11
